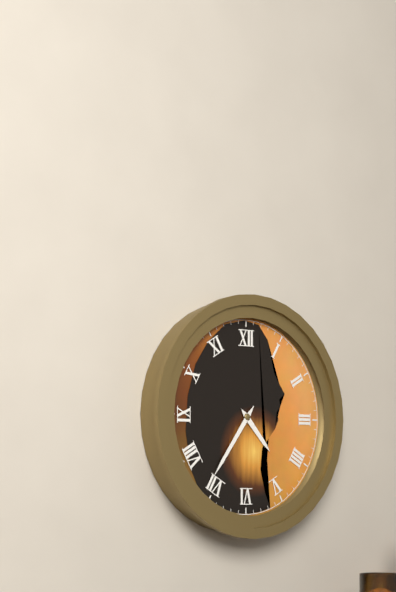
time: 4:36
